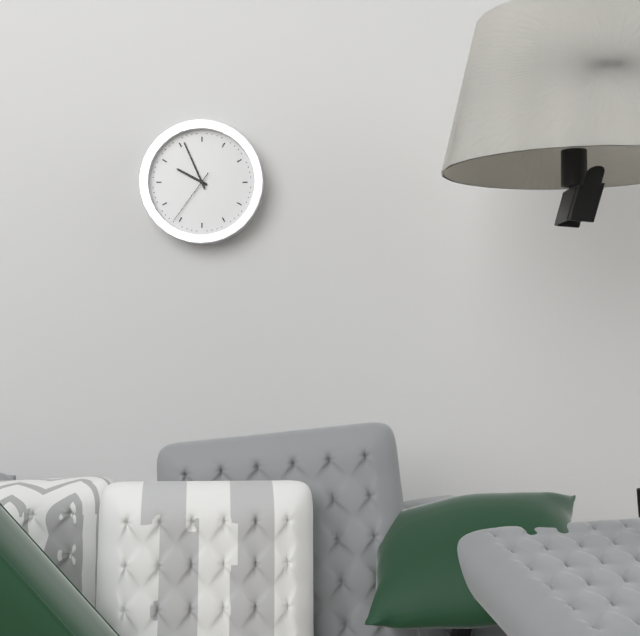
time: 9:56:36
